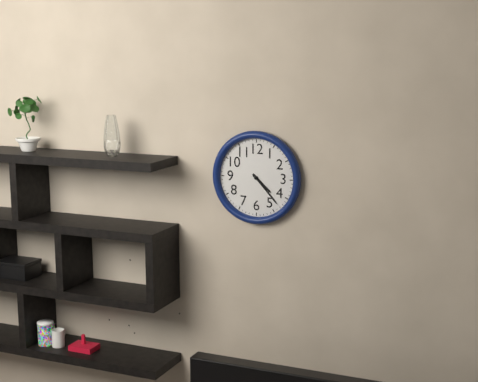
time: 4:23
